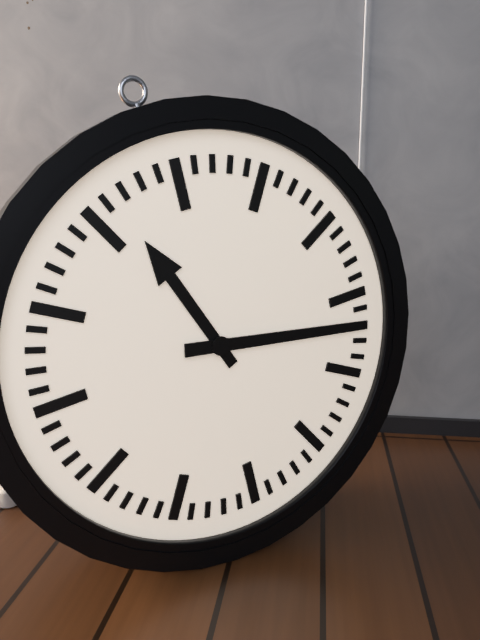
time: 11:17
